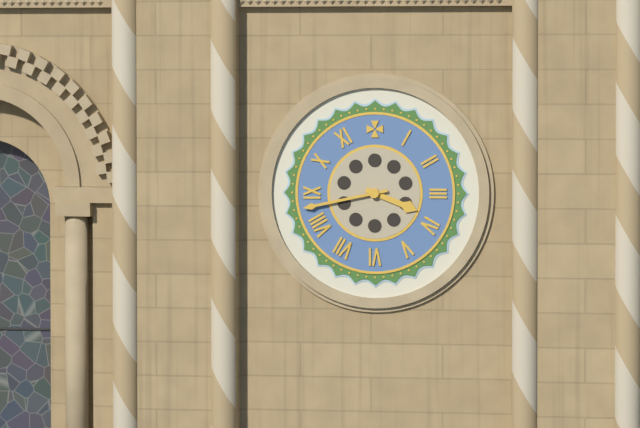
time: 3:43
